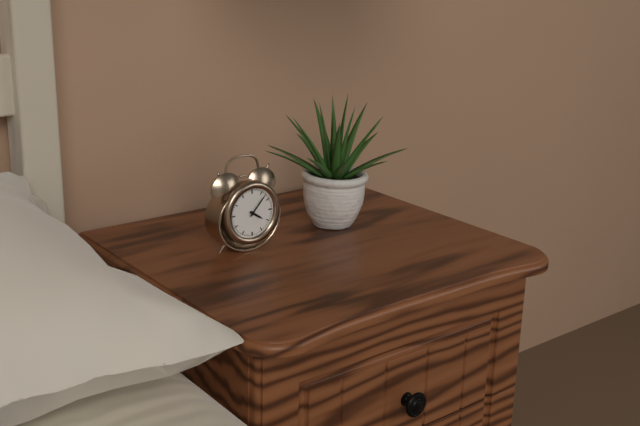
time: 4:07
